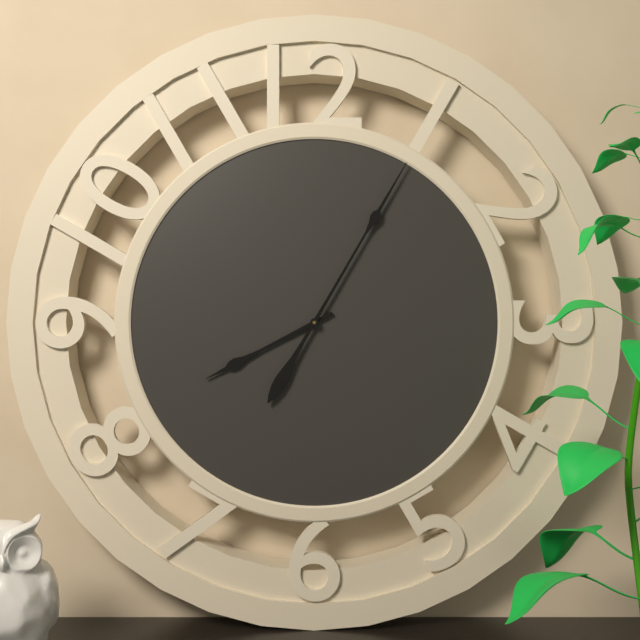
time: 8:05
